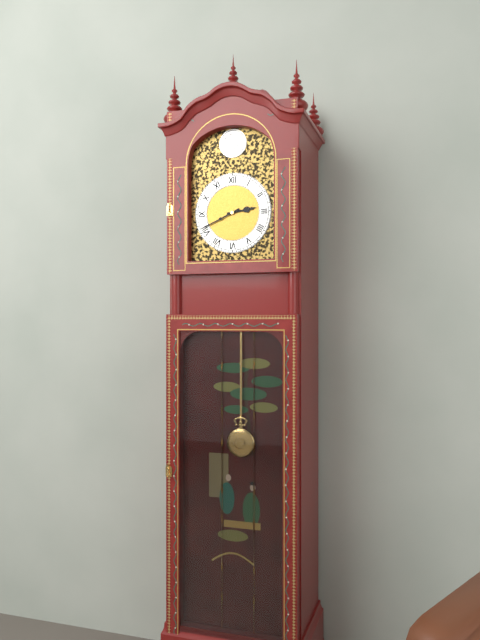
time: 2:41
